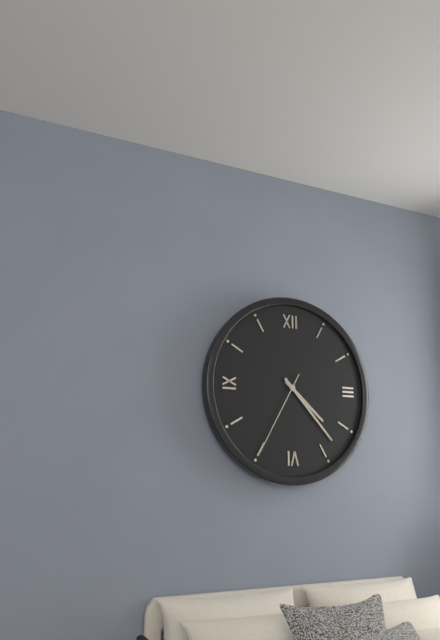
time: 4:23:35
